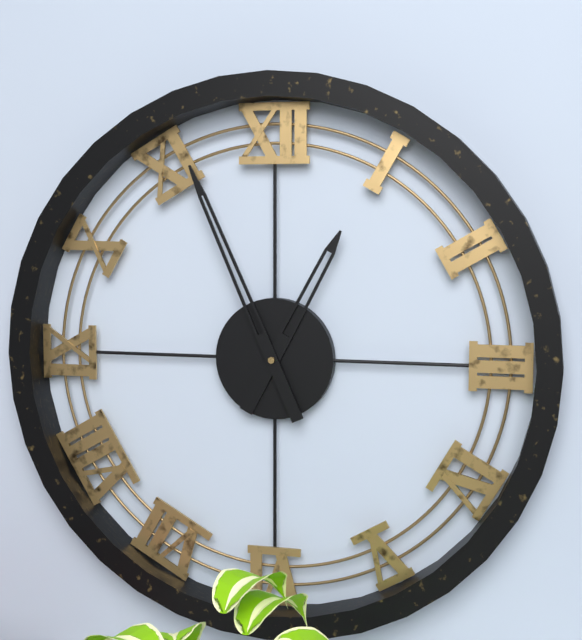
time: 12:56
